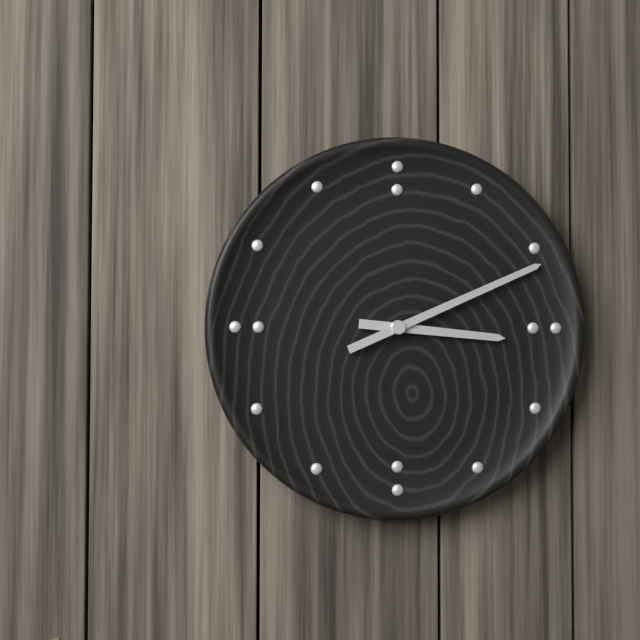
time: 3:11
